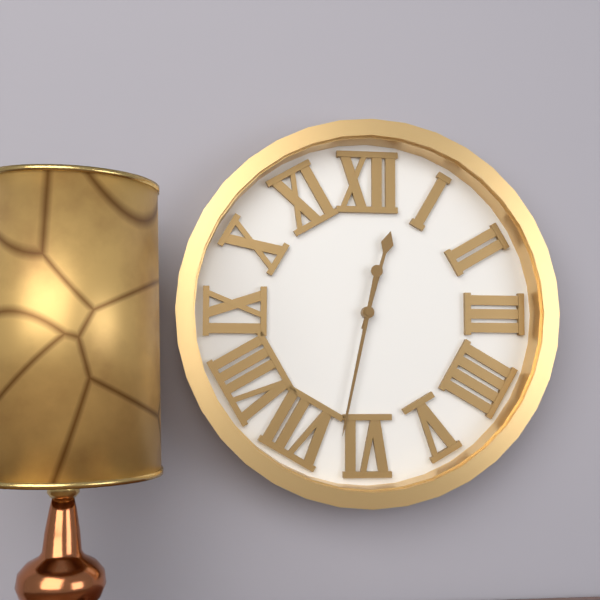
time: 12:32
